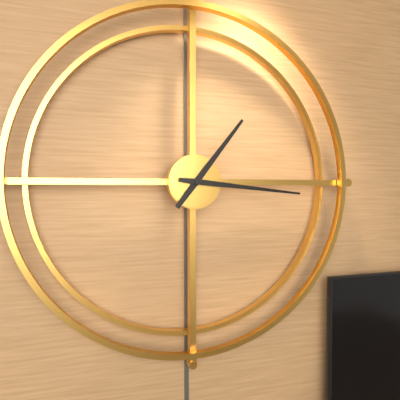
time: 1:16
